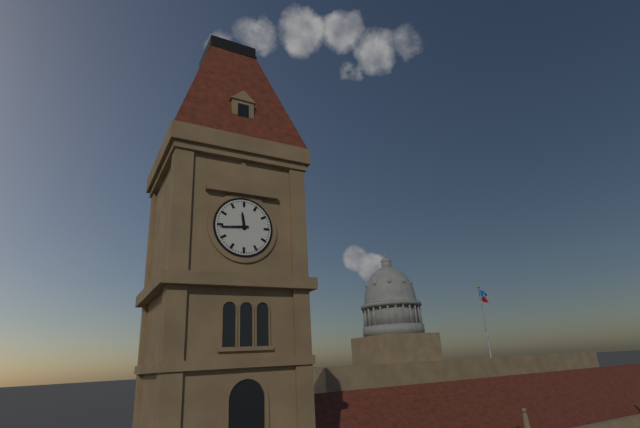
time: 11:44
